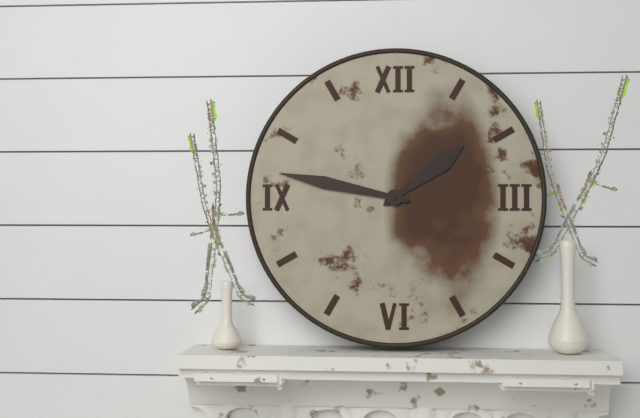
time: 1:47
